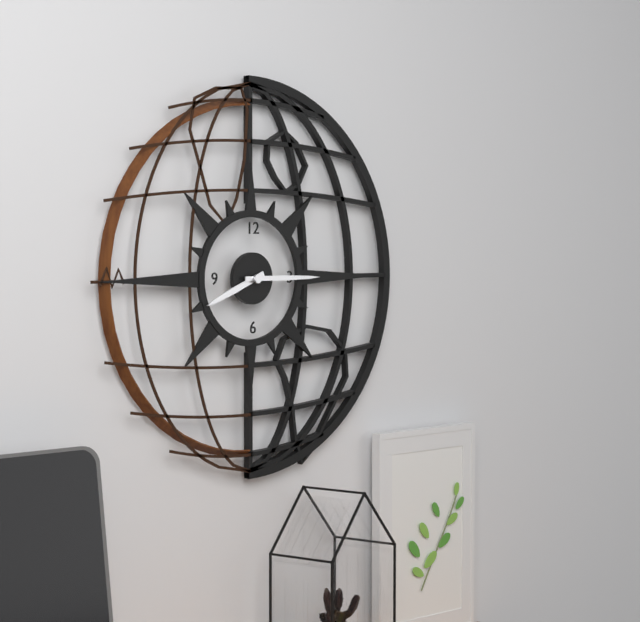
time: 8:15
